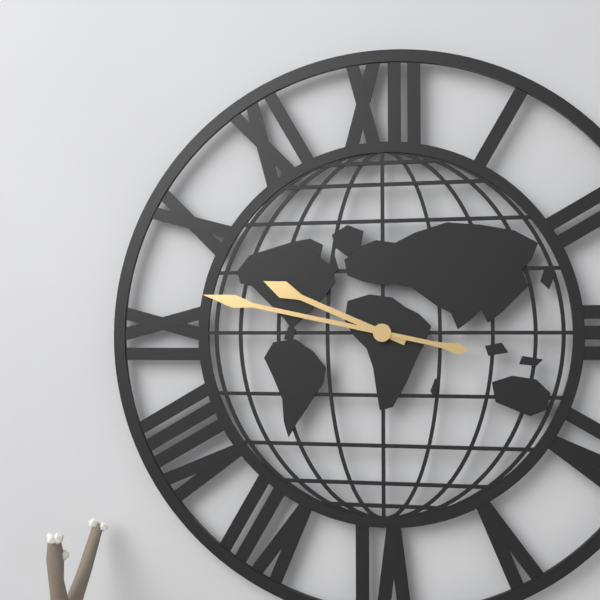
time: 9:47
